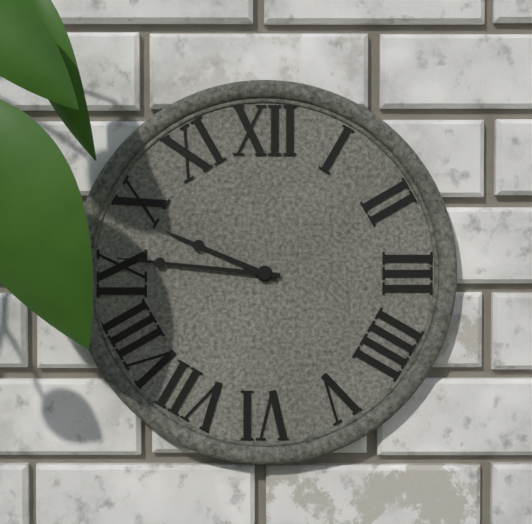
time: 9:46
